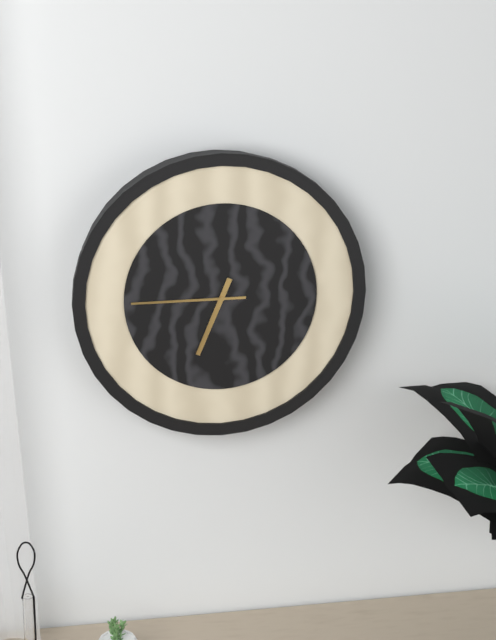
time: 6:45
